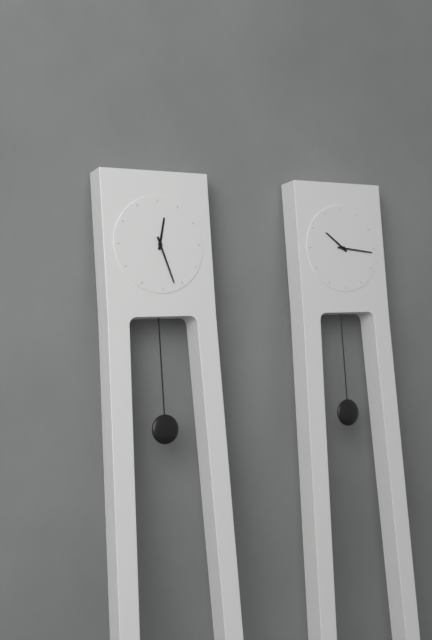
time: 12:27
